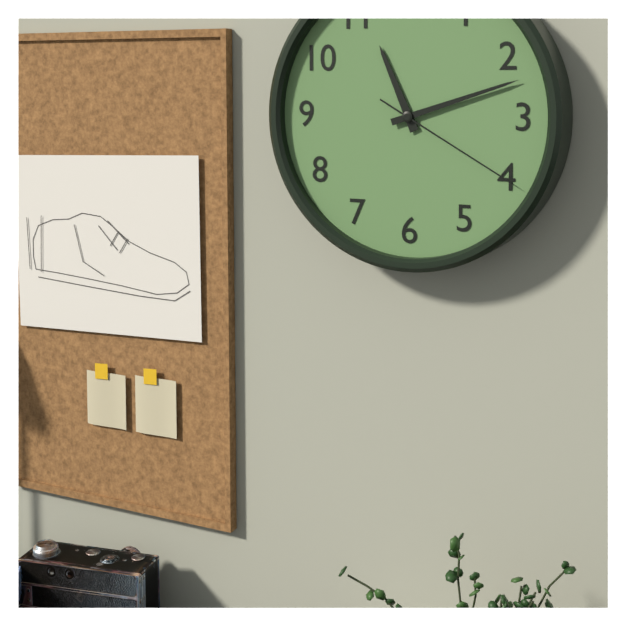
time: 11:12:20
